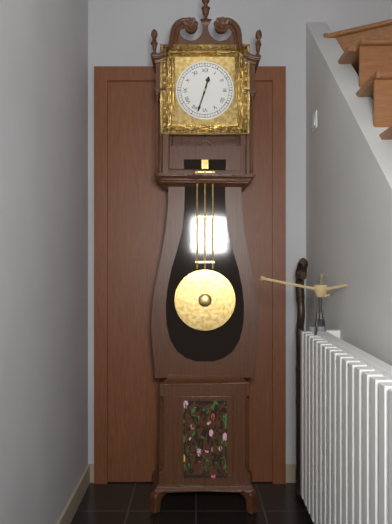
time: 12:33
